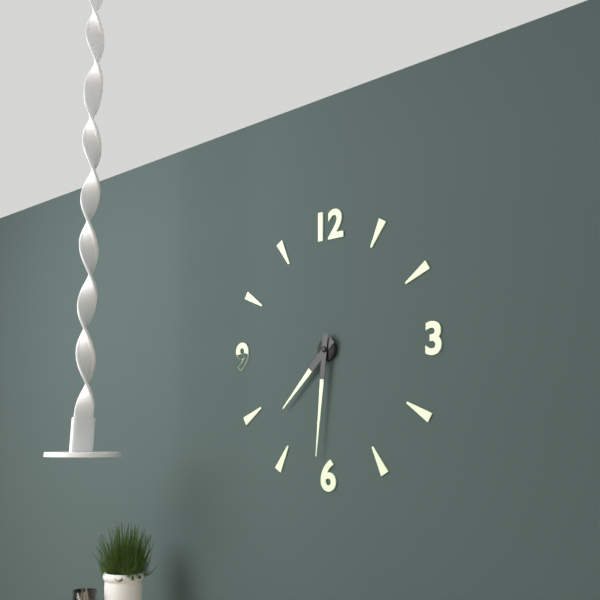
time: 7:31
